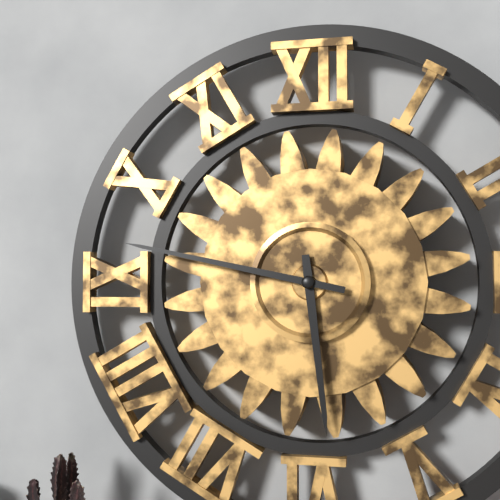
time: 5:47
